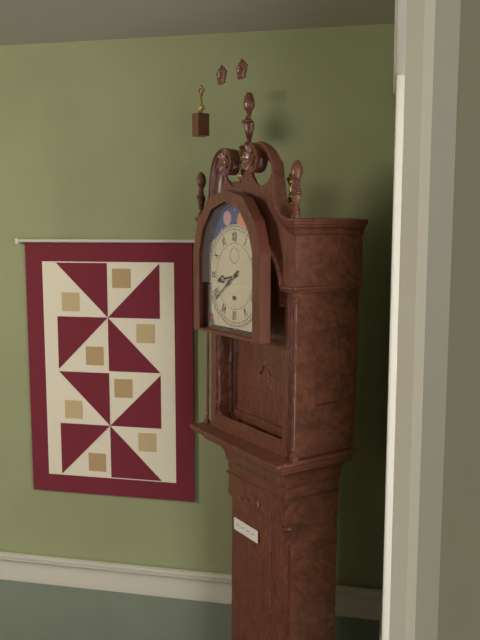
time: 8:39
